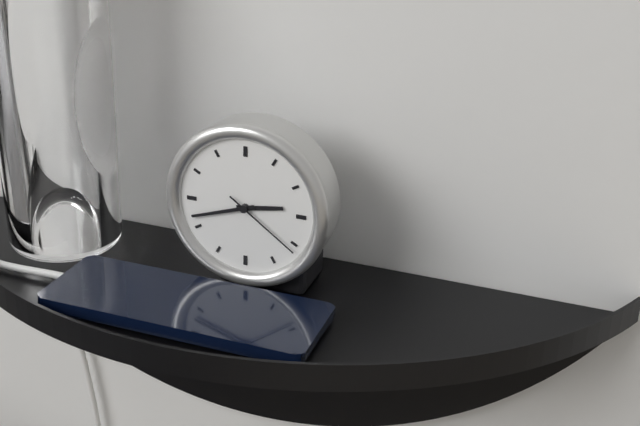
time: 2:42:21
